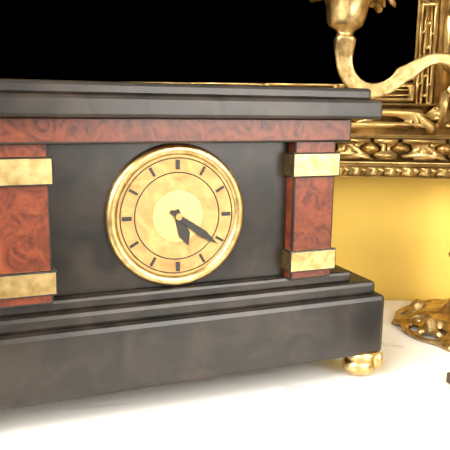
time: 5:21
